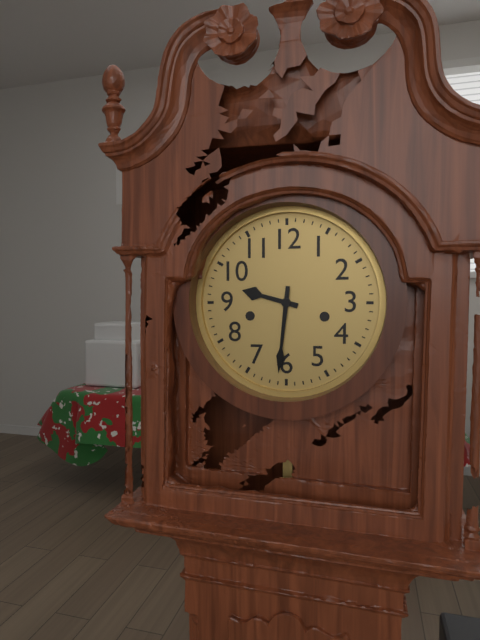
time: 9:31
